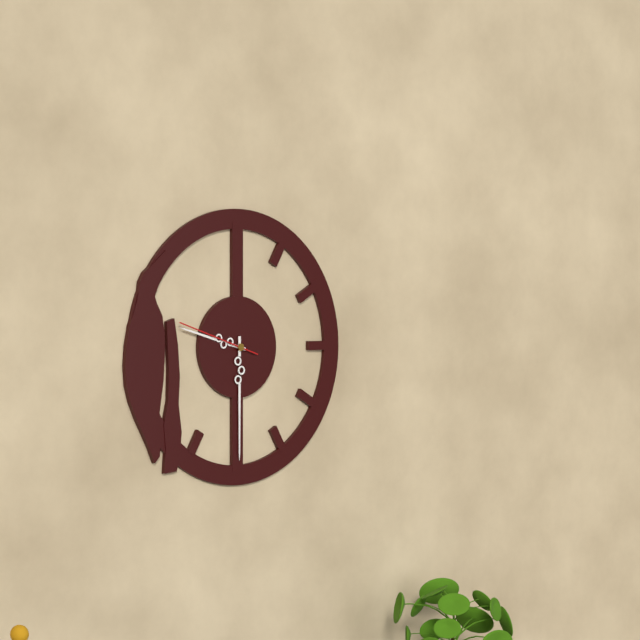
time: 9:30:48
